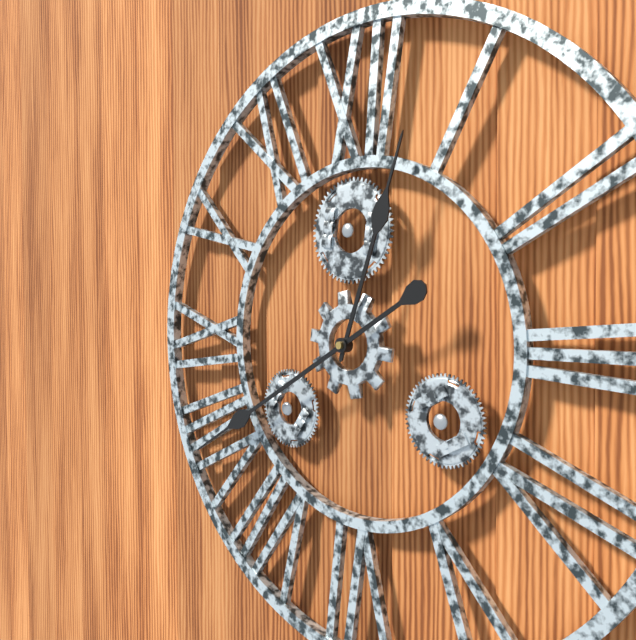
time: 12:40
